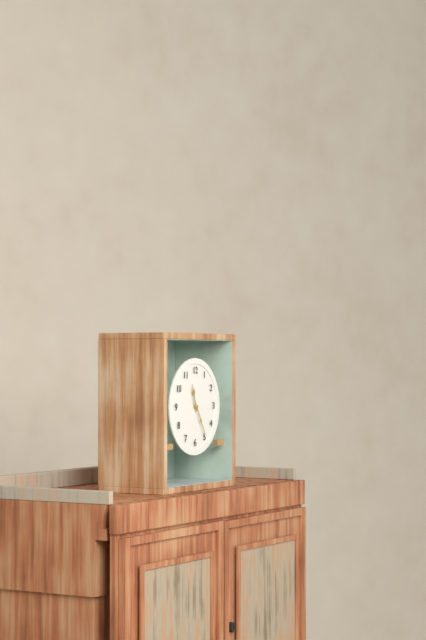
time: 11:25
